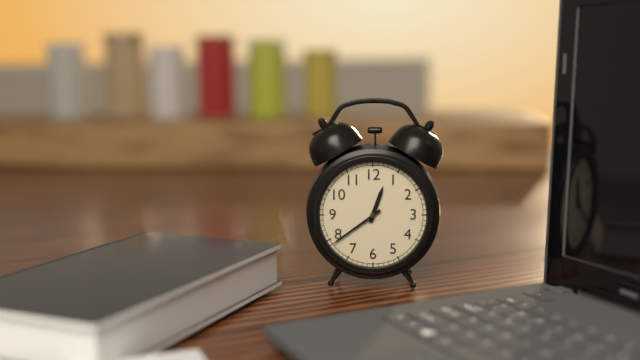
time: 12:39
